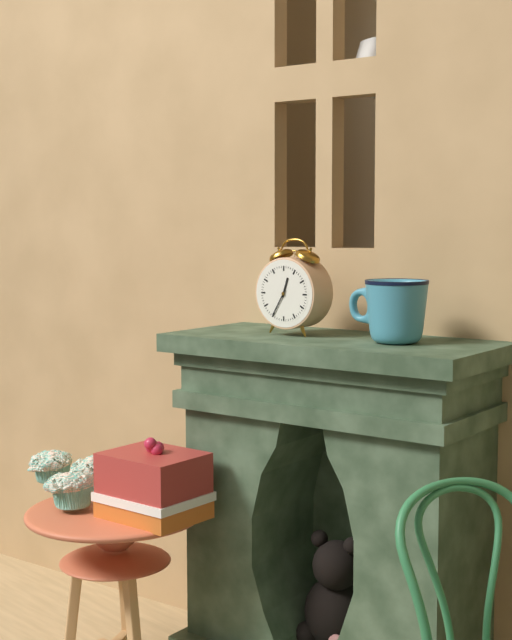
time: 12:35
